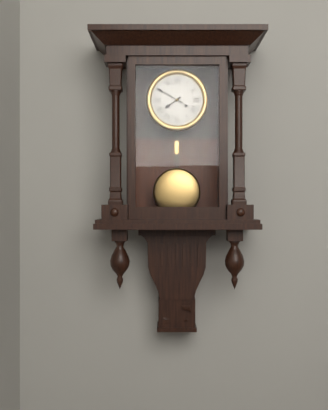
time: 7:50
